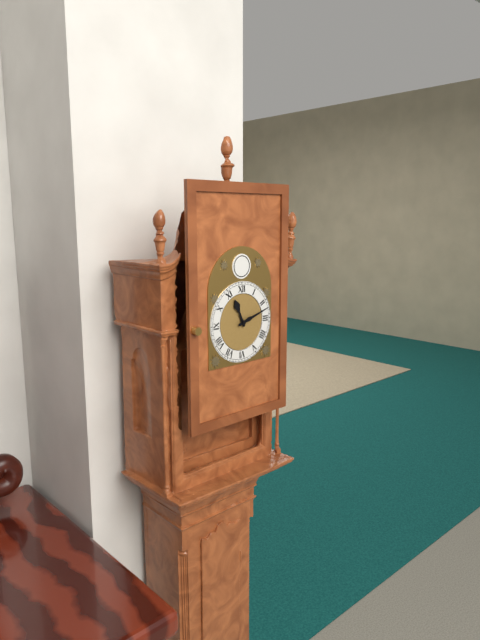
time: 11:12
